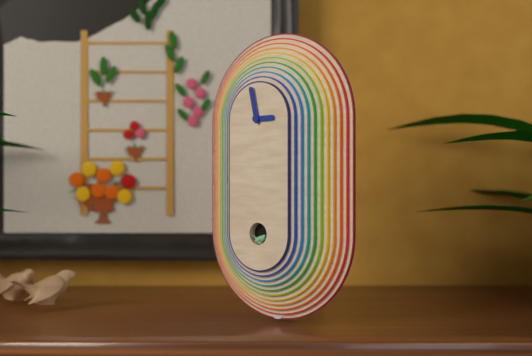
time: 2:58
